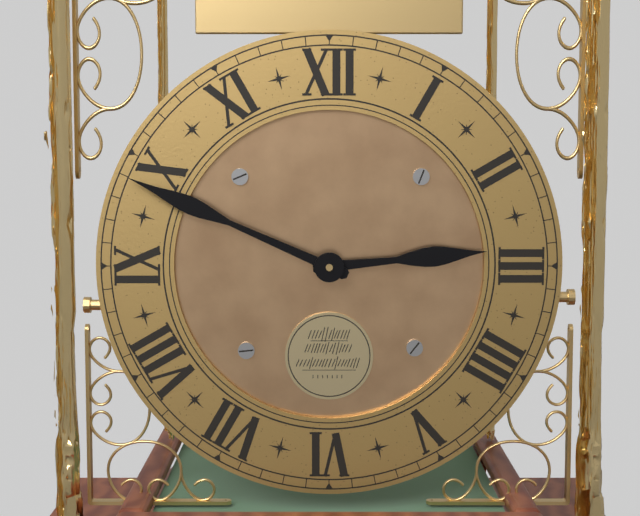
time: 2:49
